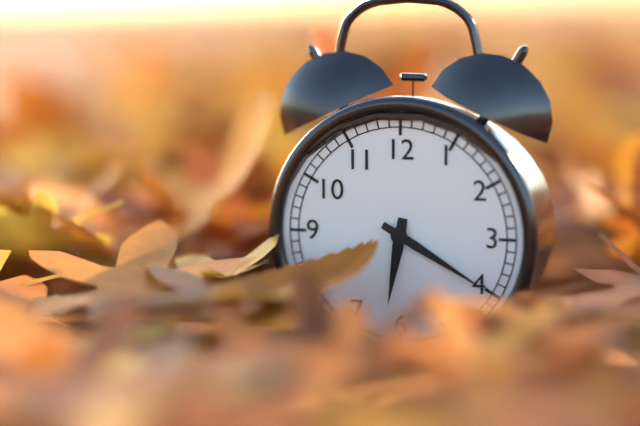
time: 6:20
